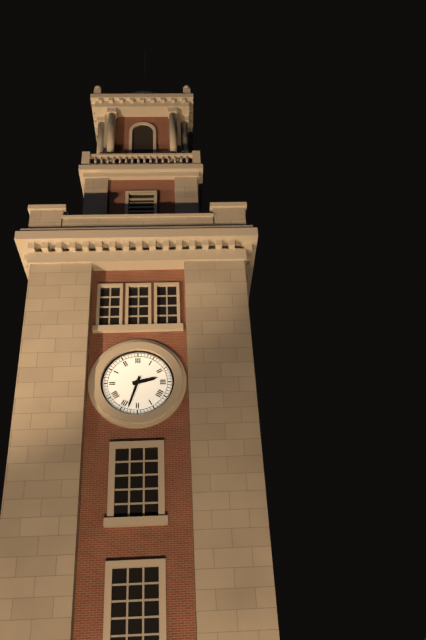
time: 2:33
